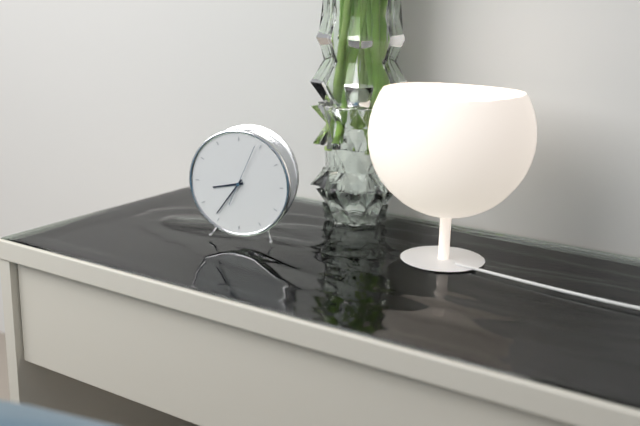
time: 8:36:04
